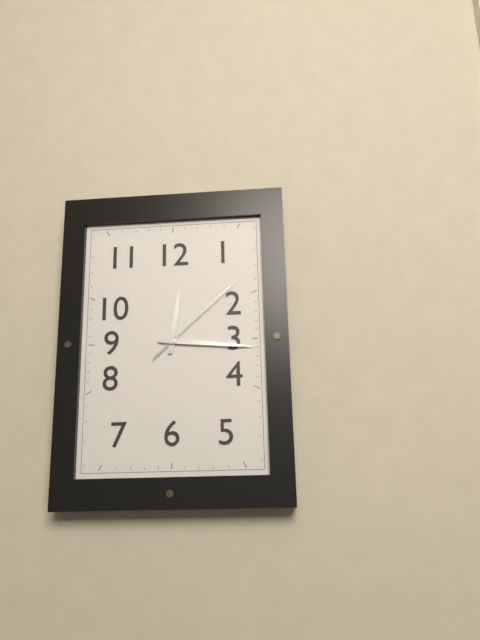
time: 12:16:08
